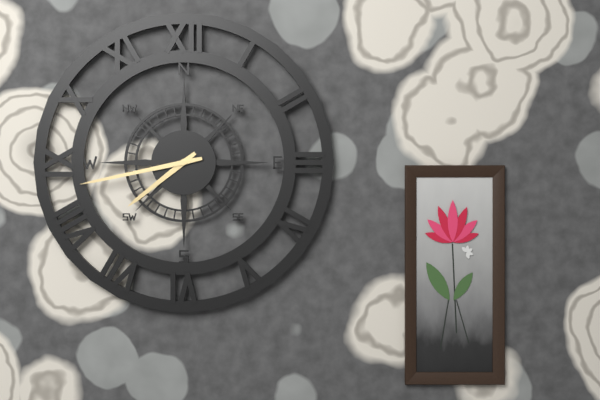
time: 7:43
